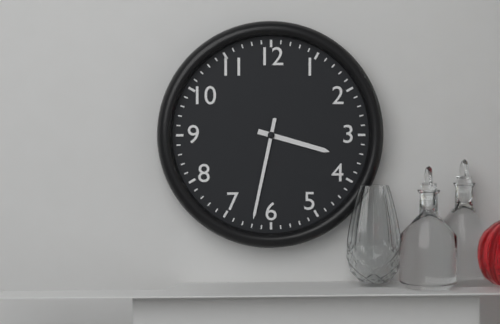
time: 3:32
